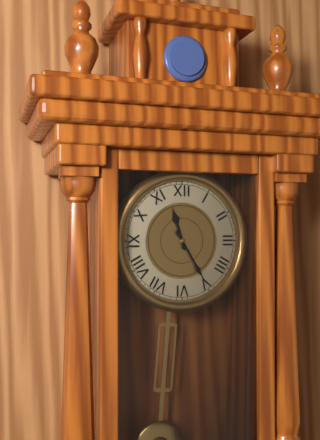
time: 11:25
